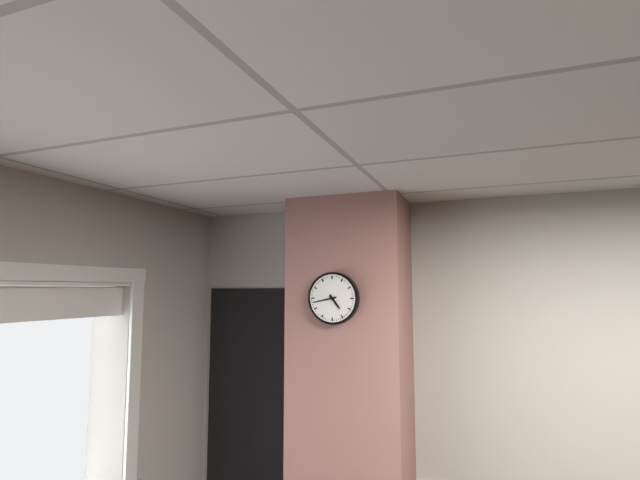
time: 4:43
